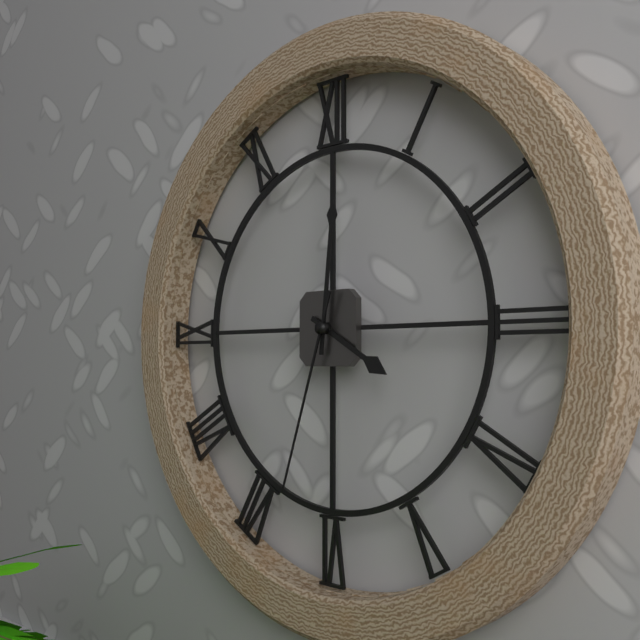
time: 4:01:33
